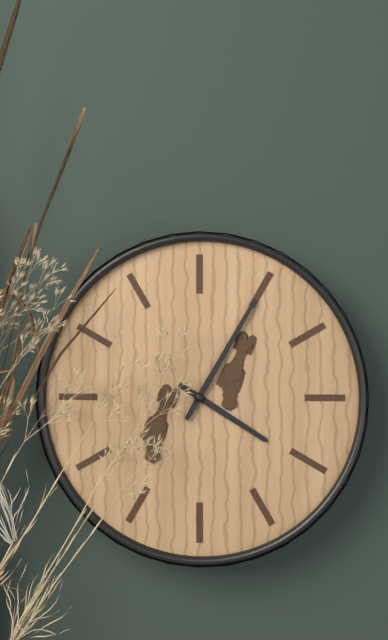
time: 4:05
